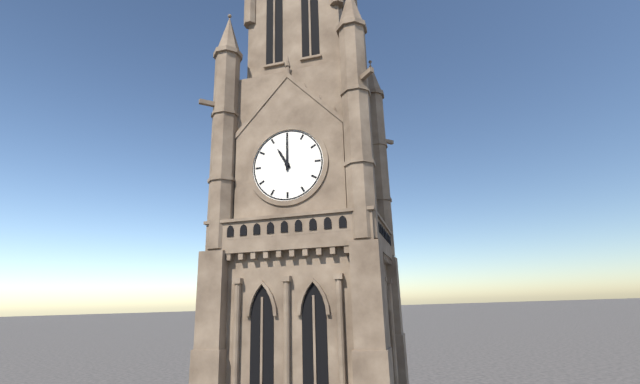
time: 11:00
